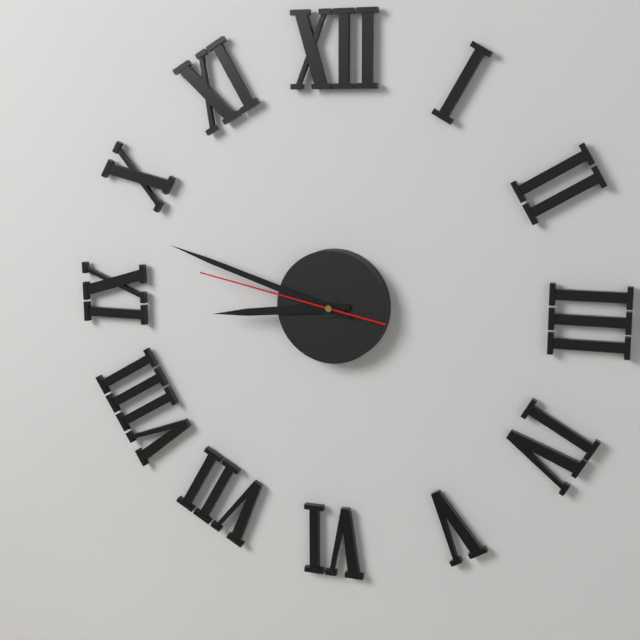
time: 8:48:47
